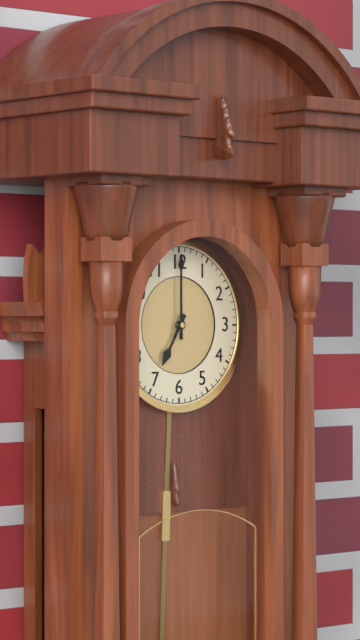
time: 7:00
